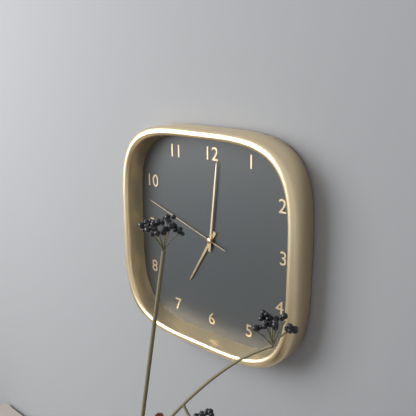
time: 7:01:48
